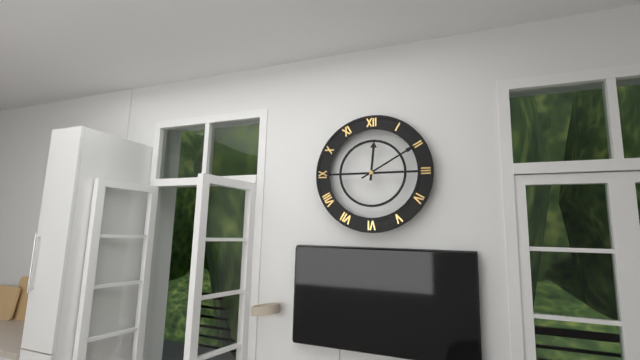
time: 12:10
